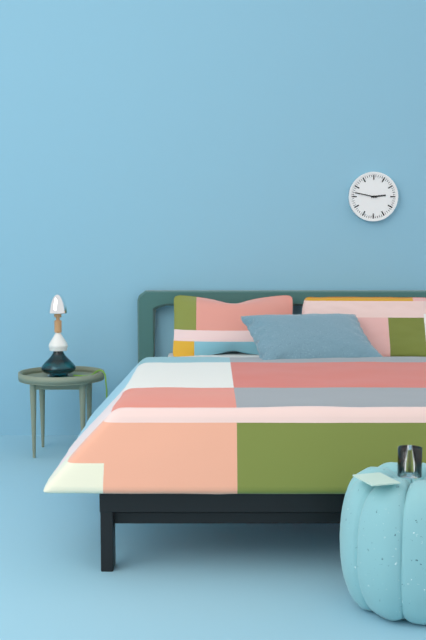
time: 2:47
